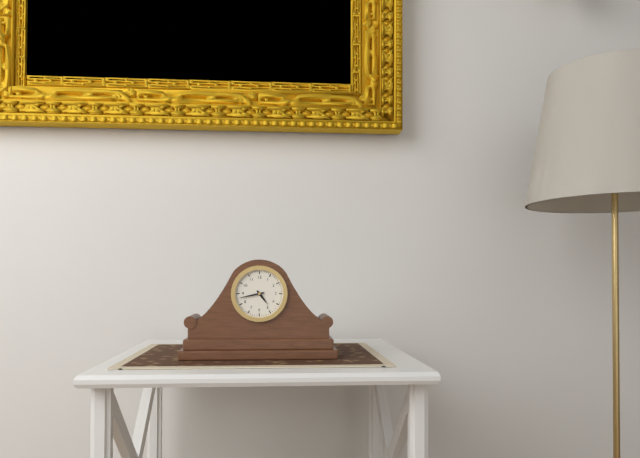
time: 4:43
